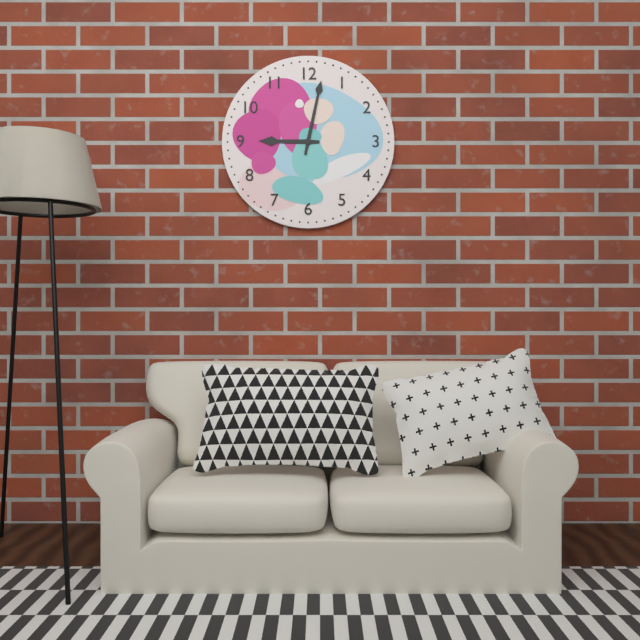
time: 9:02
